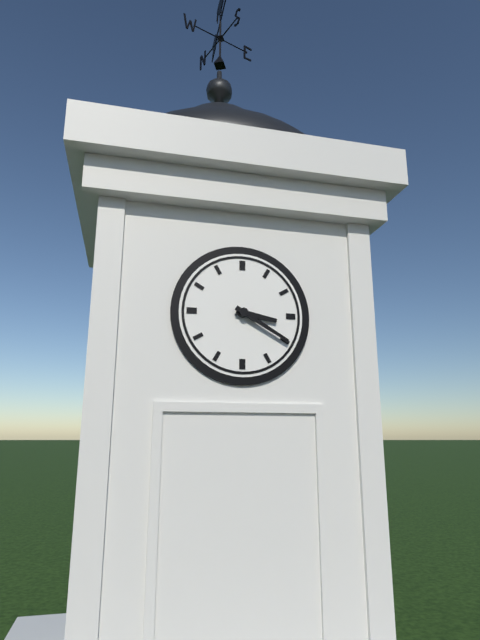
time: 3:20
